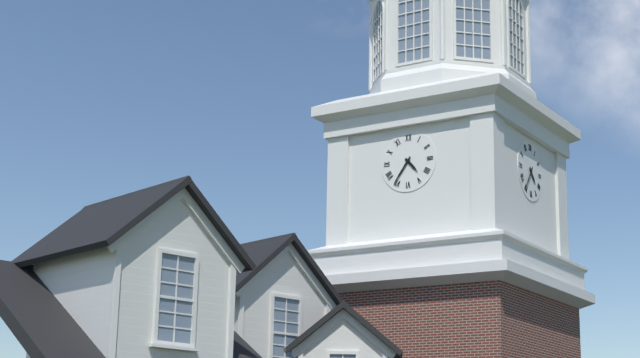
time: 4:36
